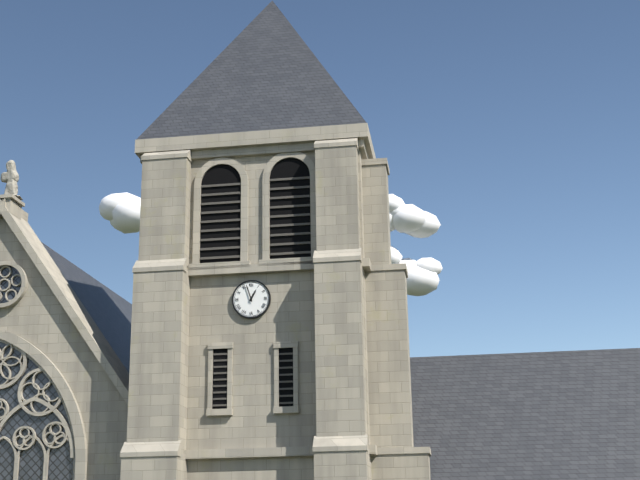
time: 12:57
